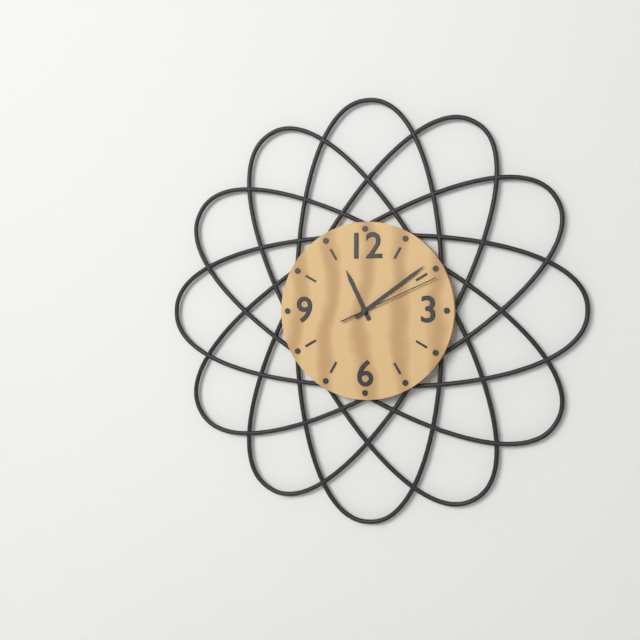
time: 11:09:11
